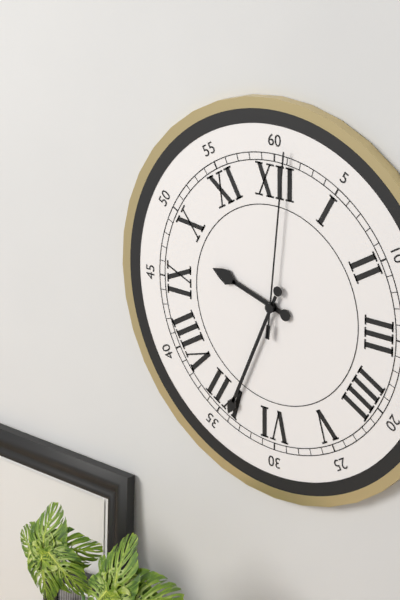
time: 9:34:01
